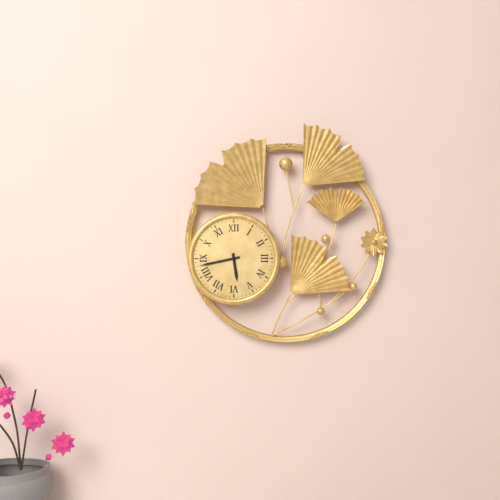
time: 5:43
